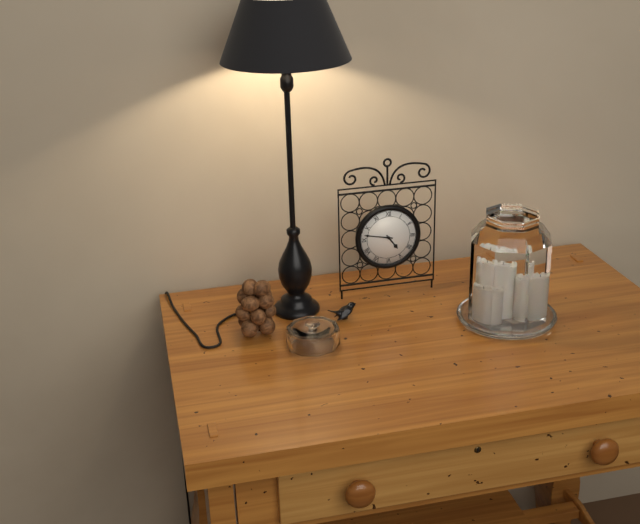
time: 4:47
